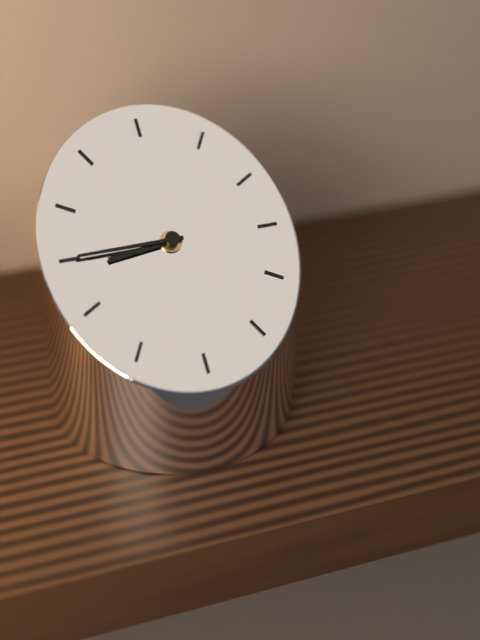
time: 8:45
